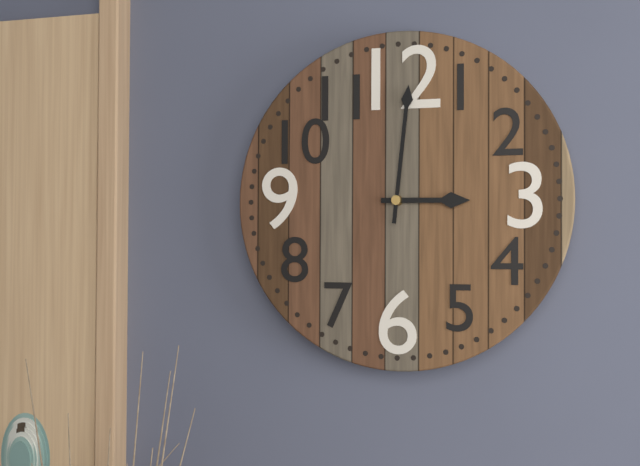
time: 3:01
